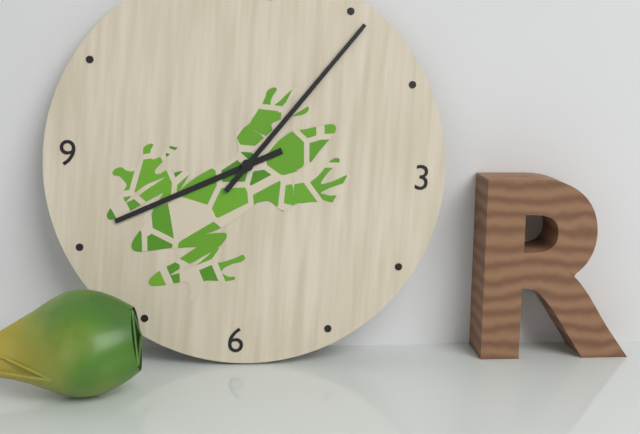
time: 8:06
